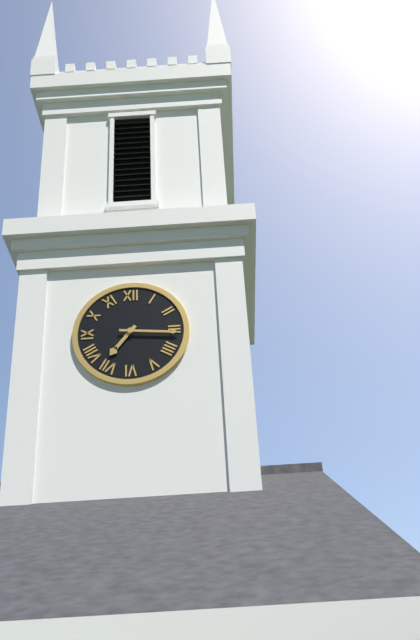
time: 7:16
